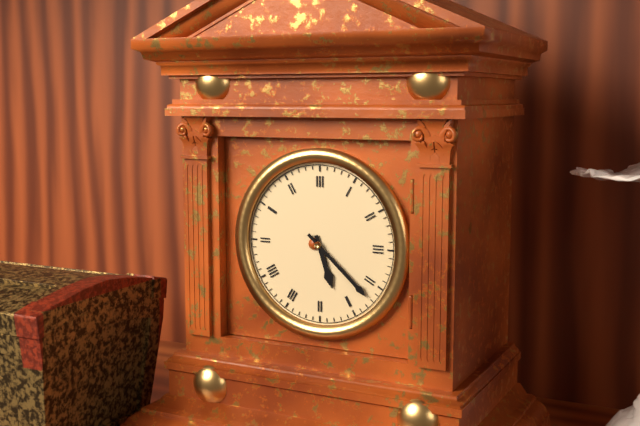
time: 5:22
